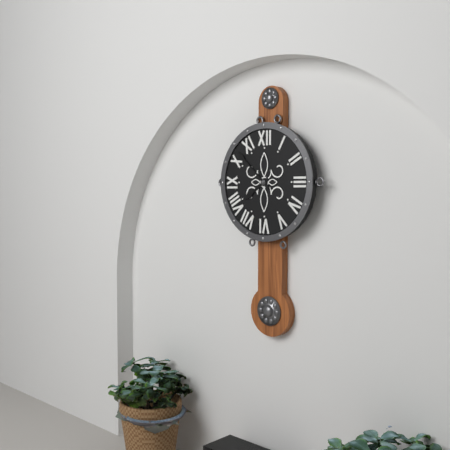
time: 7:52
